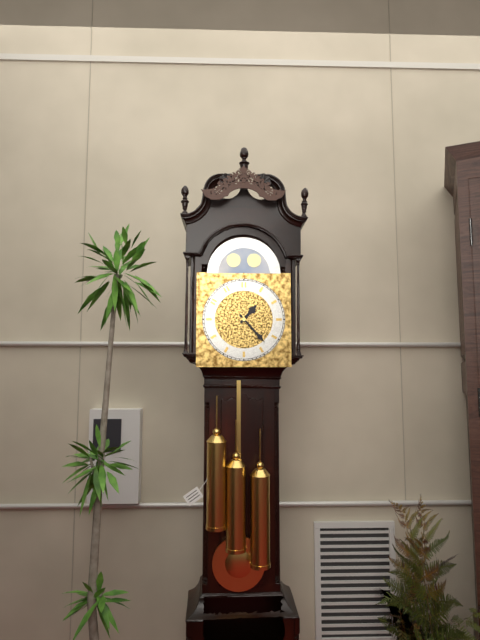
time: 1:23
